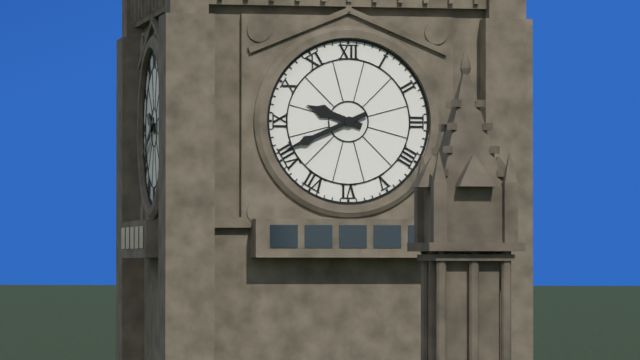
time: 9:41
